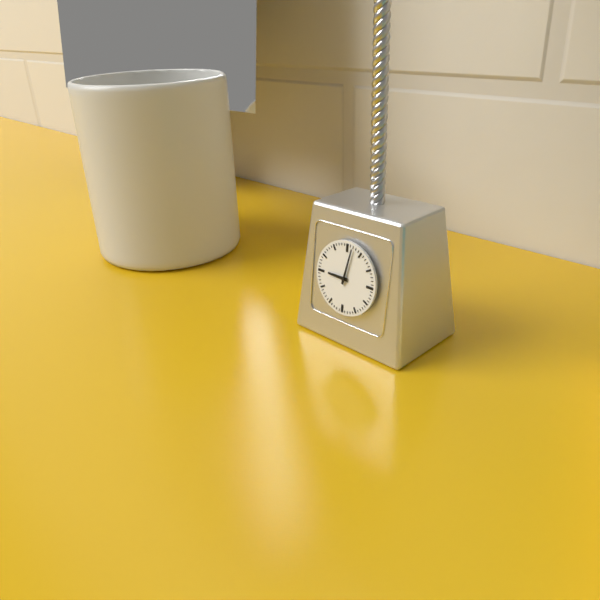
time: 9:02
